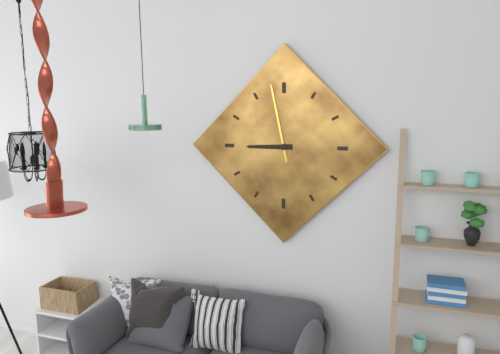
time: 8:58
